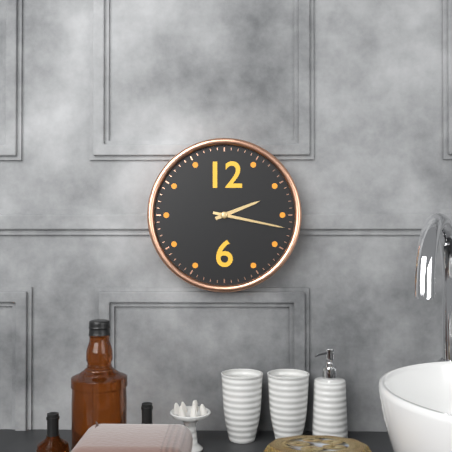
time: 2:17
